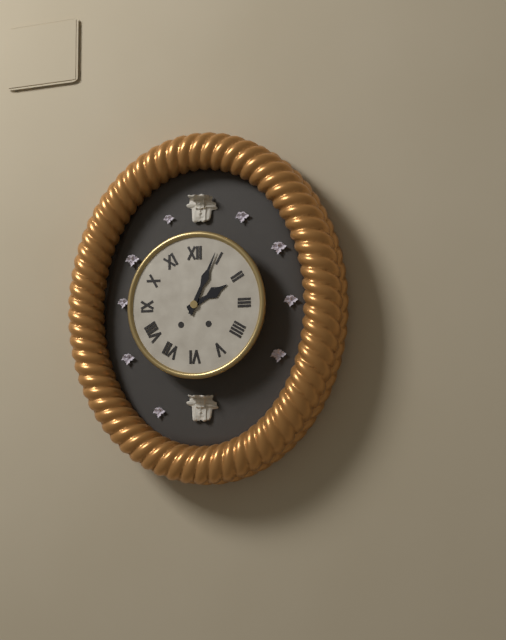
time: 2:04
